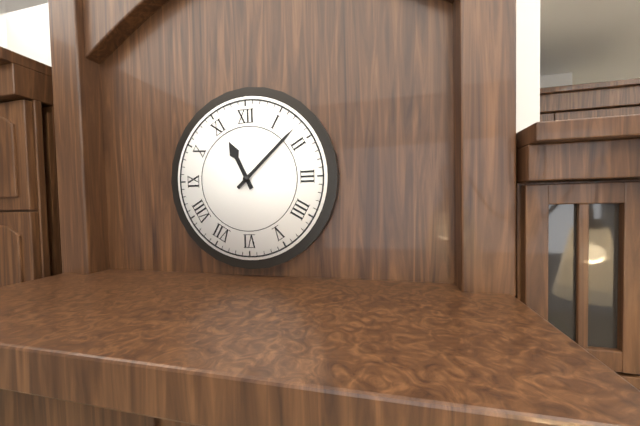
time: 11:08
